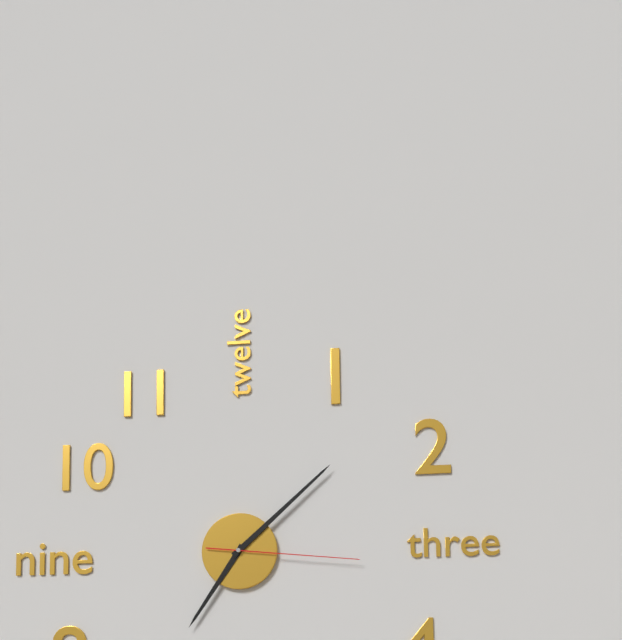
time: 7:08:16
